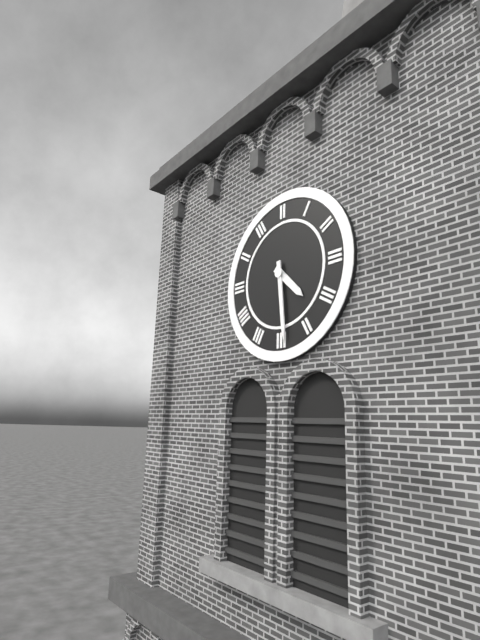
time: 4:29
